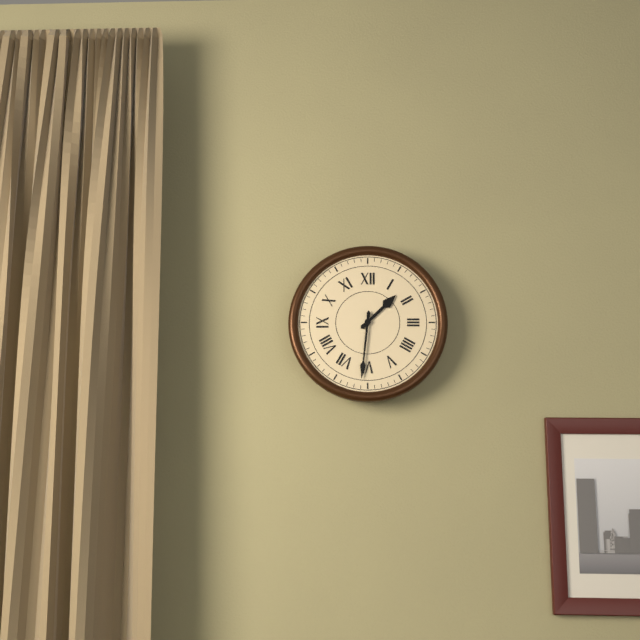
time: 1:31
